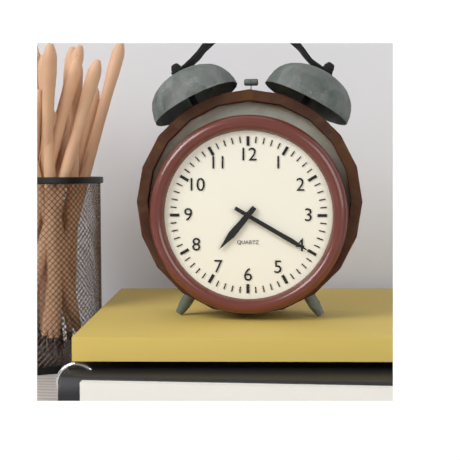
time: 7:20
